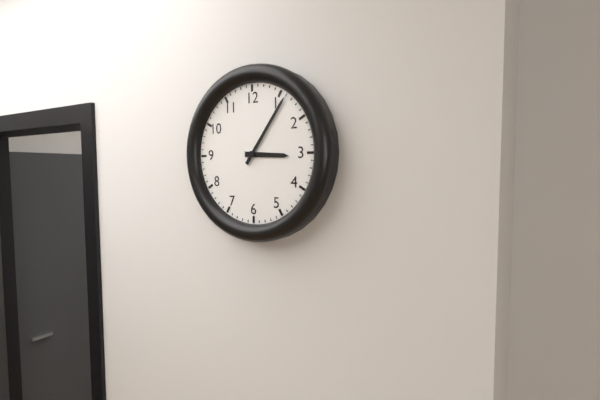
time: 3:06
